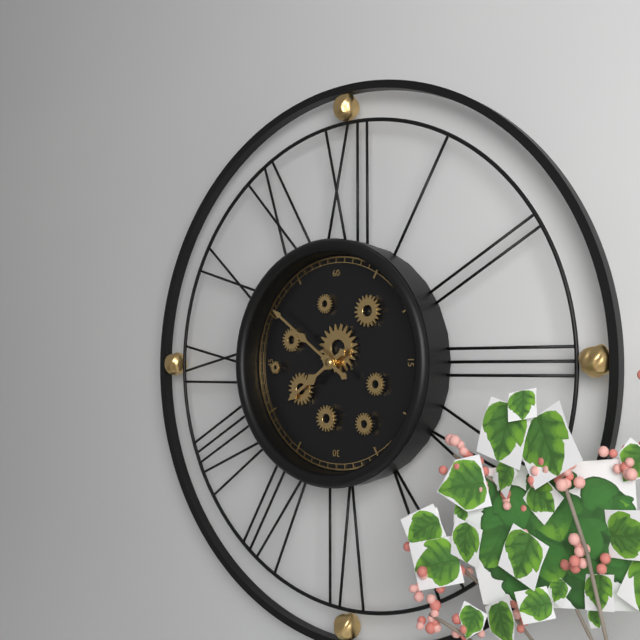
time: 7:51
